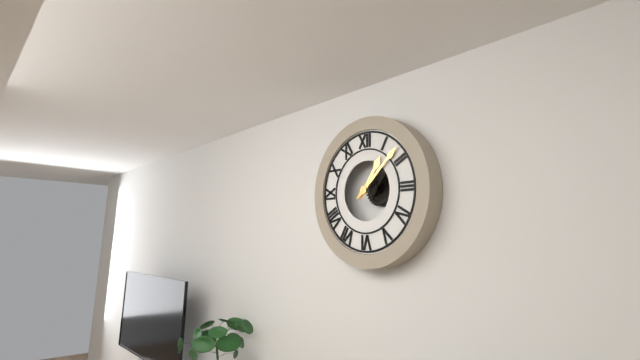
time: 1:08
